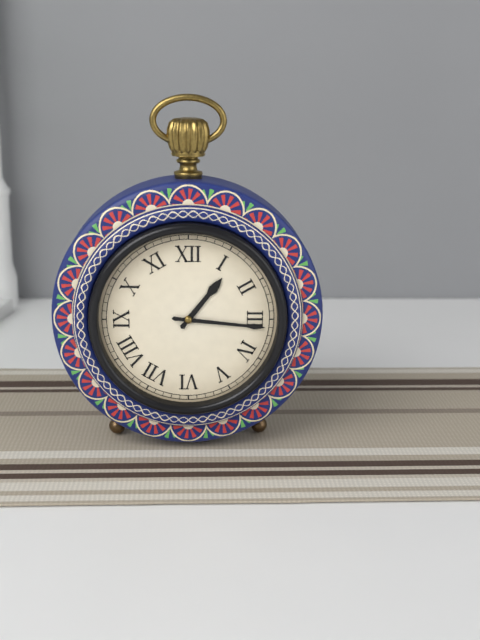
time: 1:16
